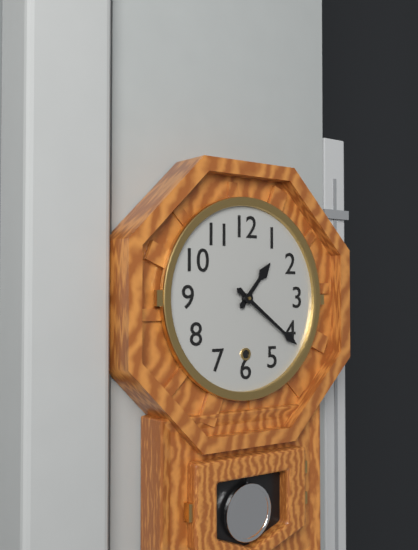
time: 1:21
